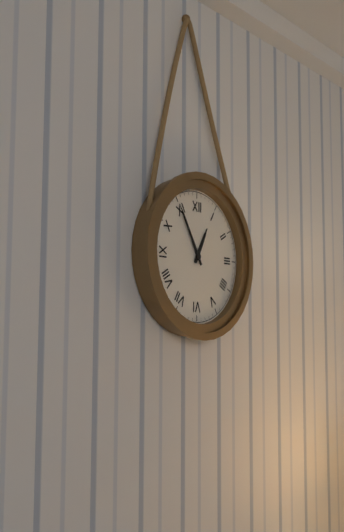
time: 12:55
